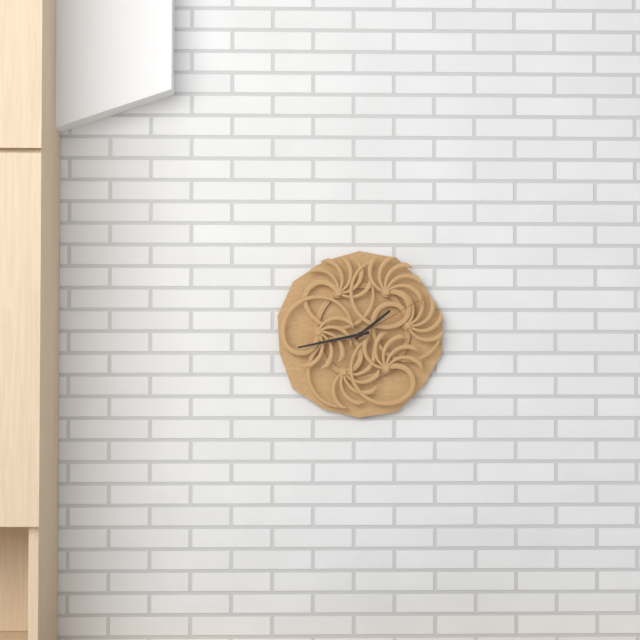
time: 1:43:10
